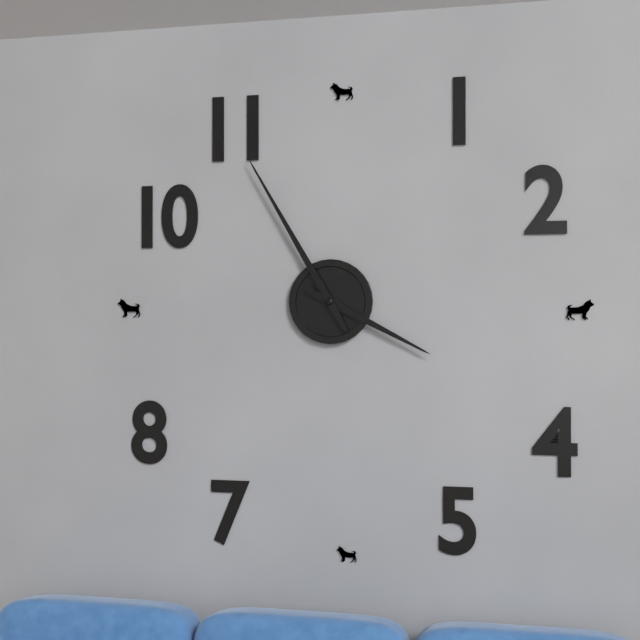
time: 3:55
